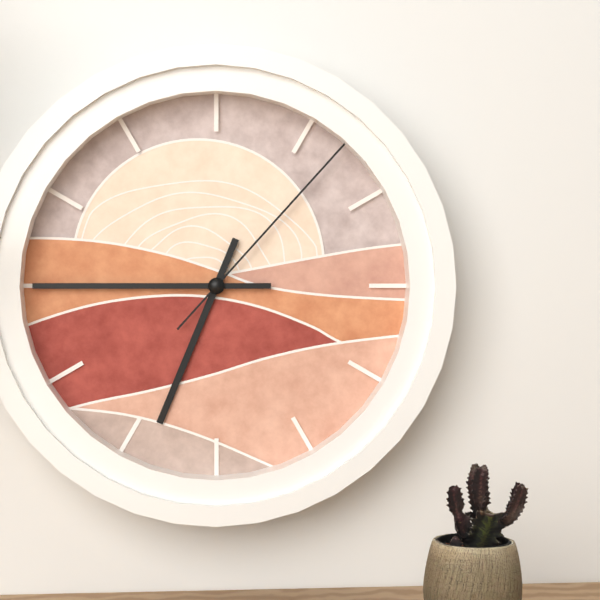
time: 6:45:07
